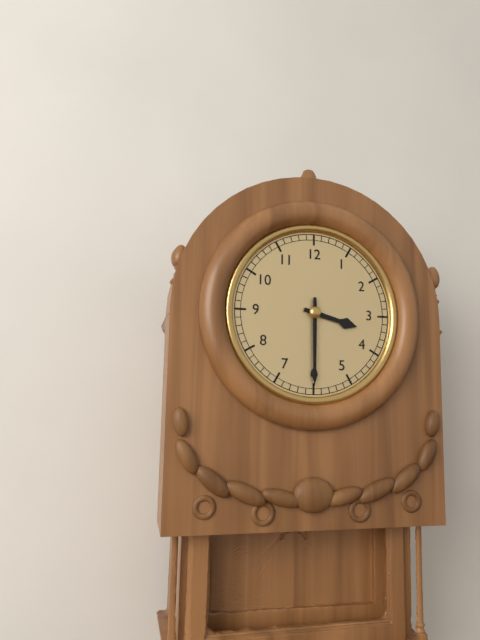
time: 3:30
